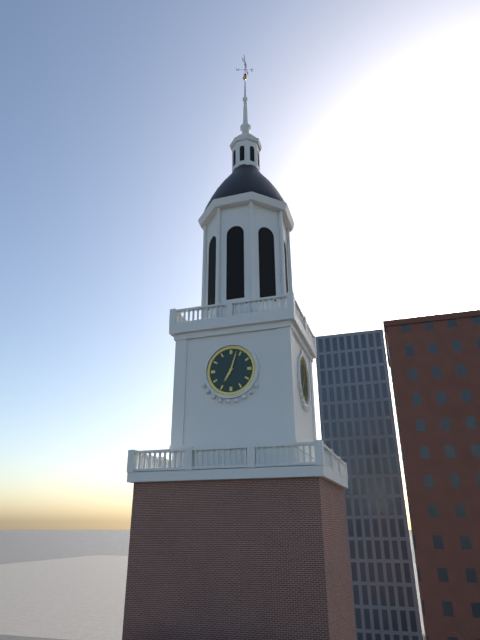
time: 7:03
